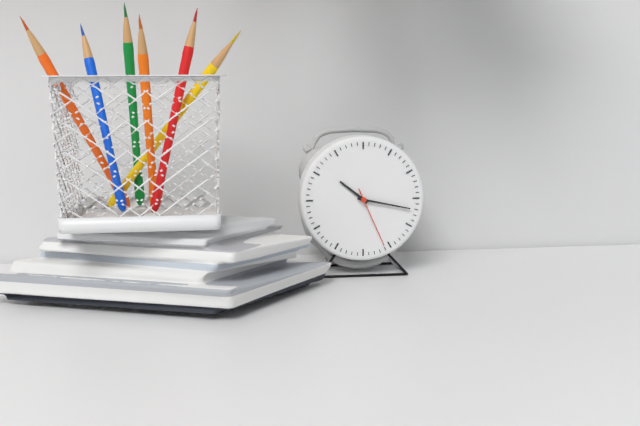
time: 10:17:26
